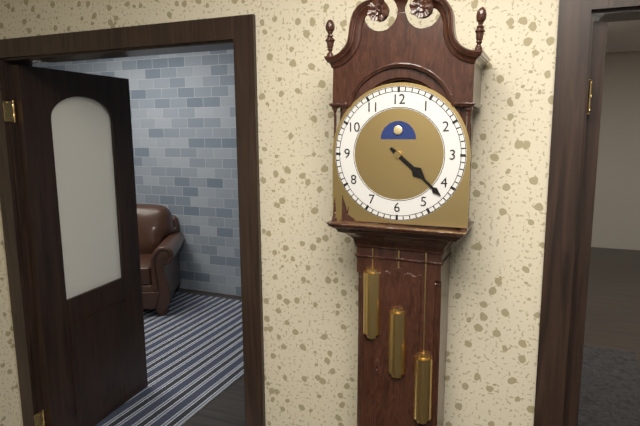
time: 4:22
